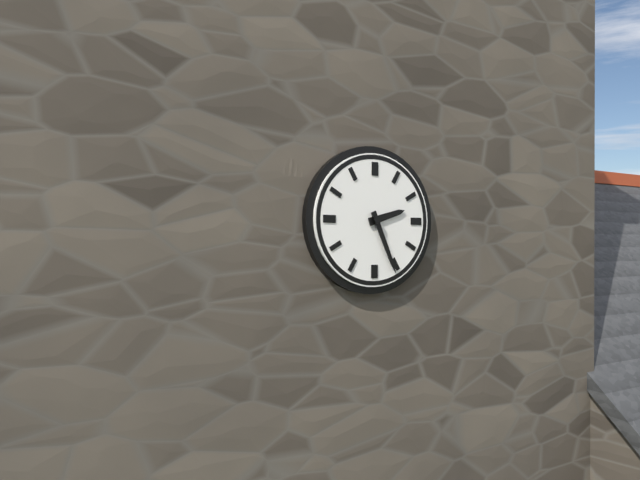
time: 2:26
